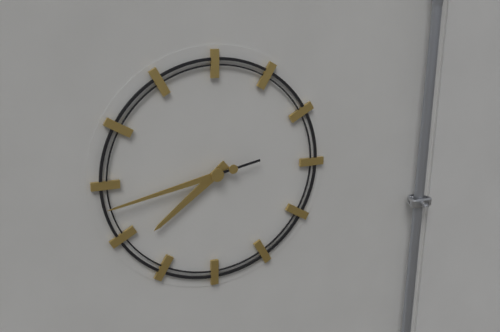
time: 7:43
